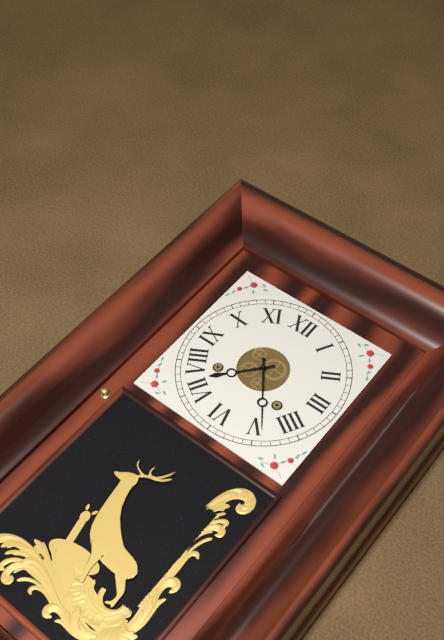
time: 7:24
